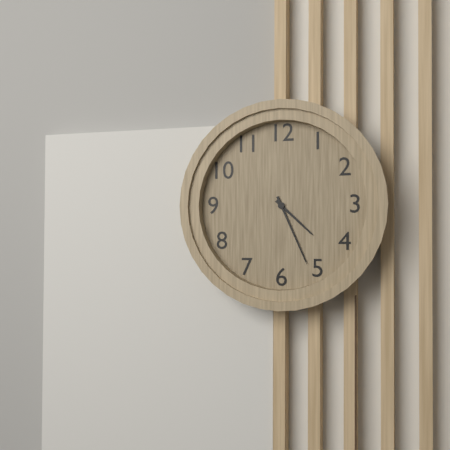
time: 4:26
